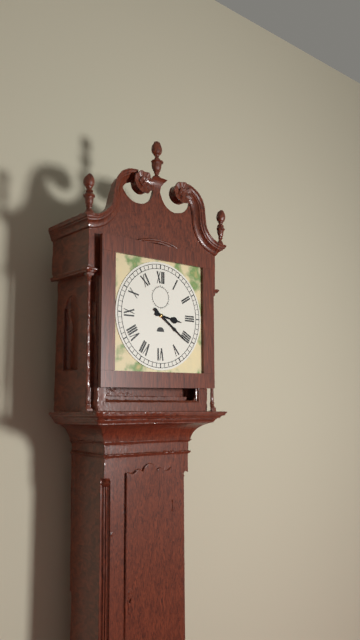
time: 3:21
